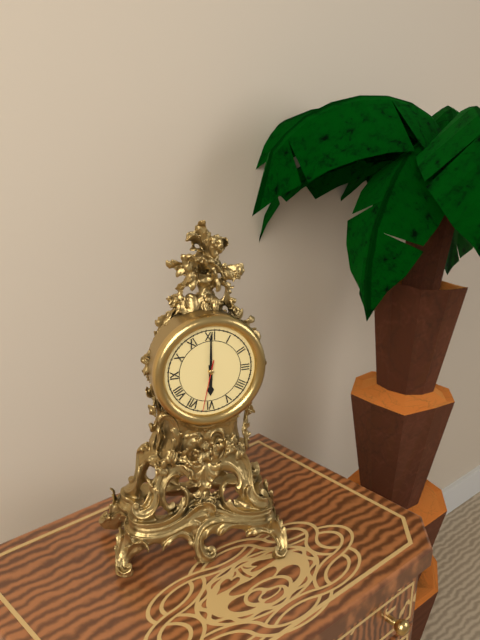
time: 6:00:32
